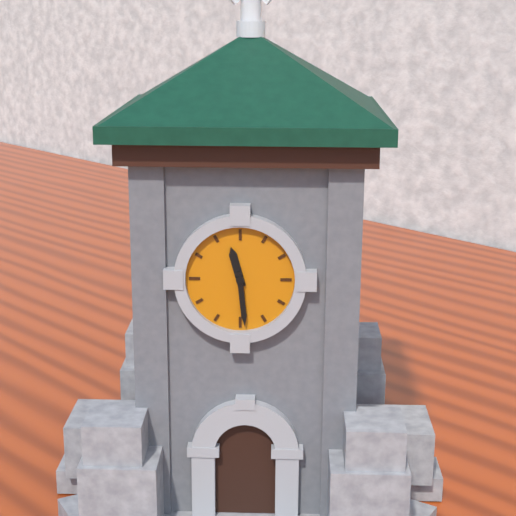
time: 11:29
